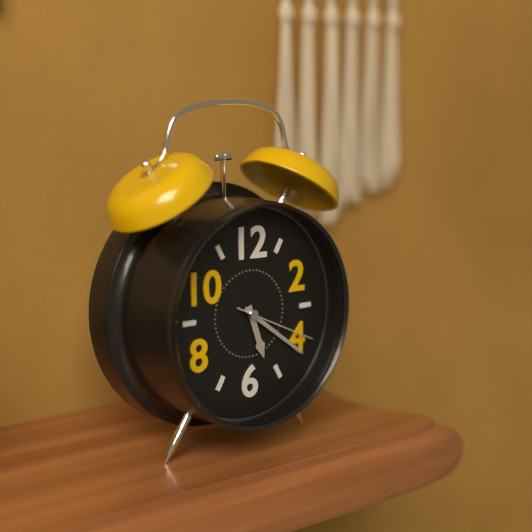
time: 5:21:19
